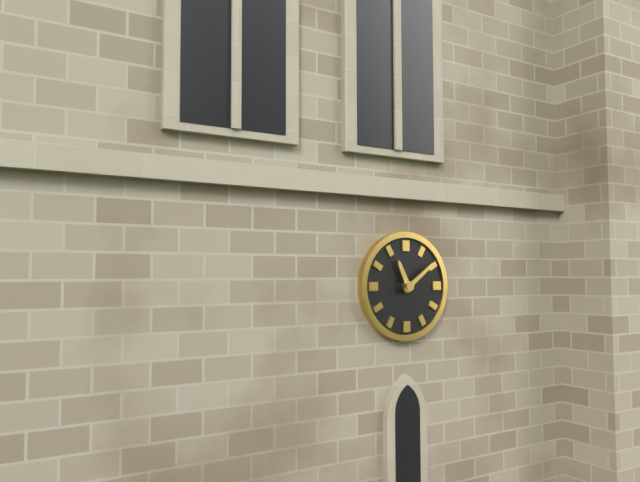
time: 11:09
